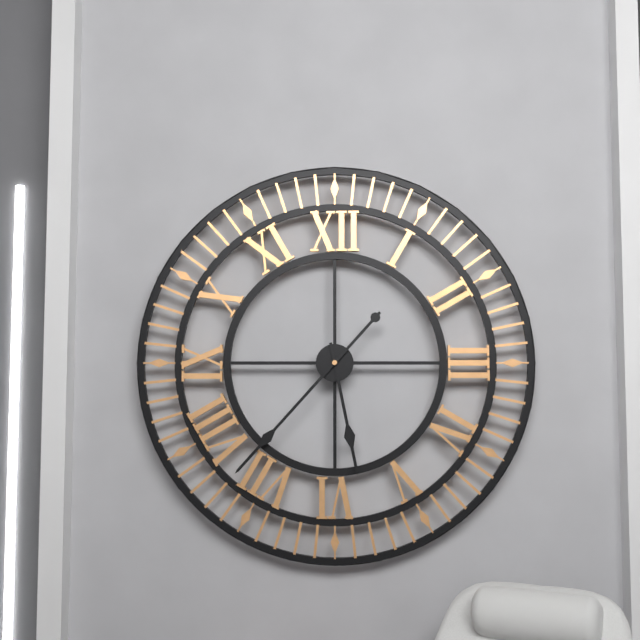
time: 5:37
